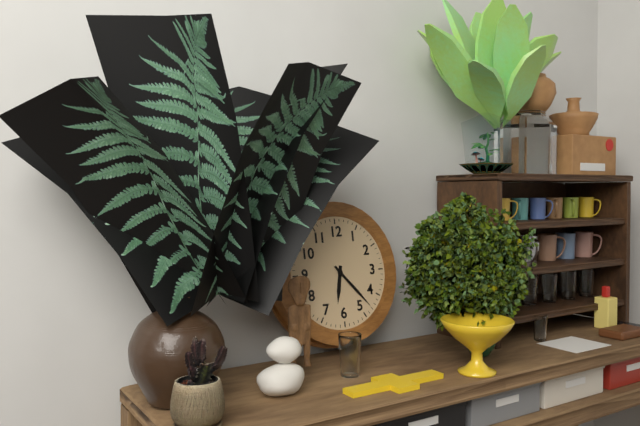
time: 6:23
